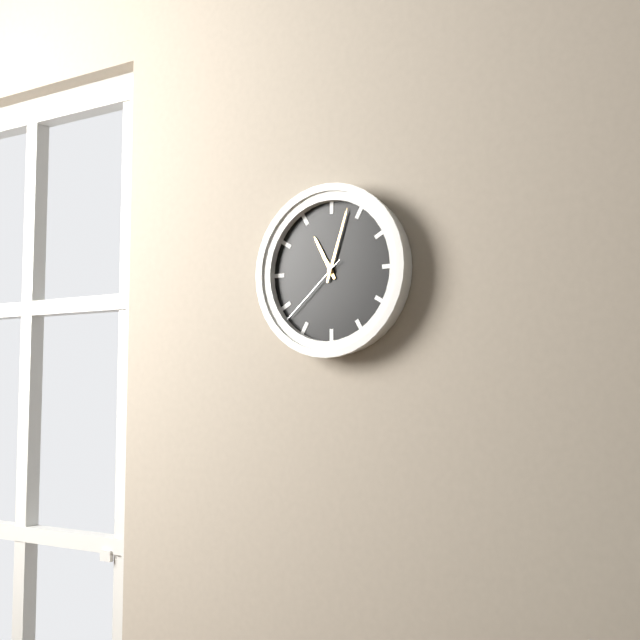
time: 11:03:38
